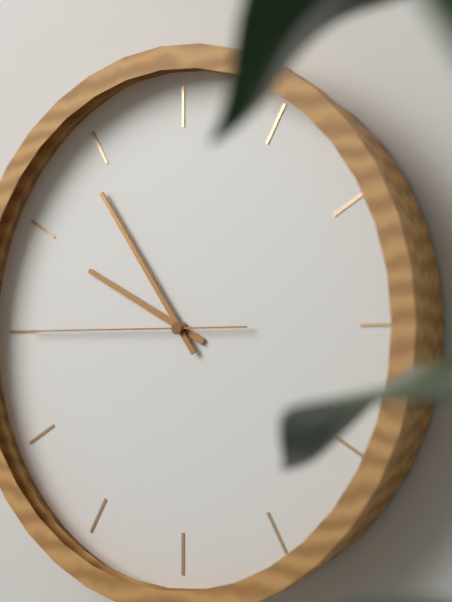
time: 9:54:45
